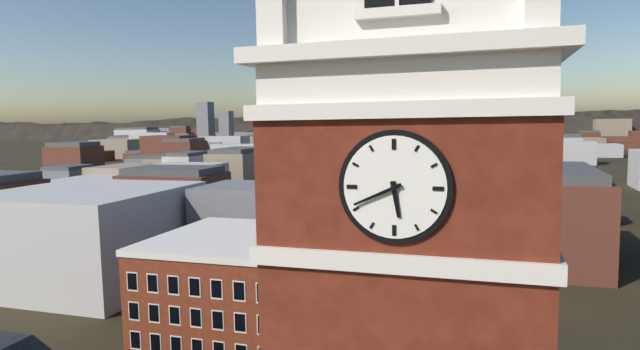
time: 5:41
